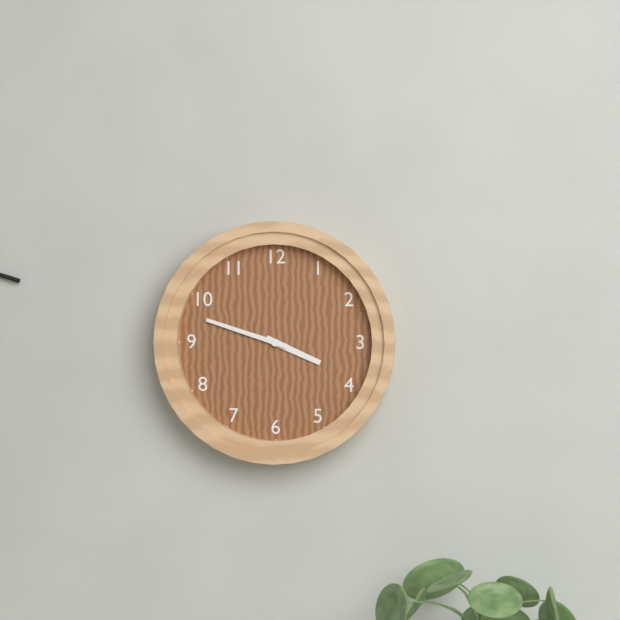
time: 3:48
